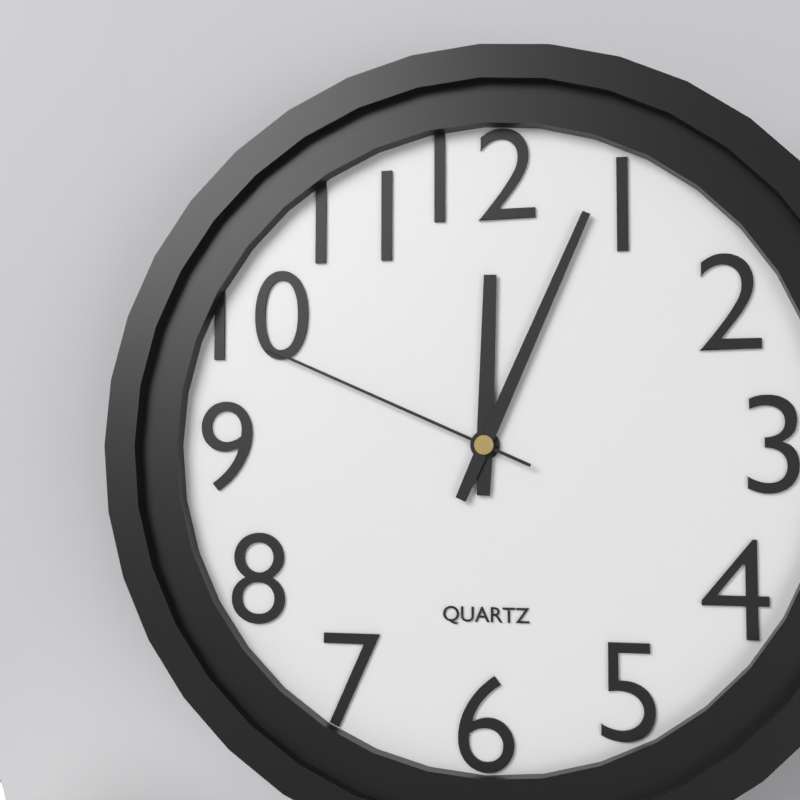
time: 12:04:49
